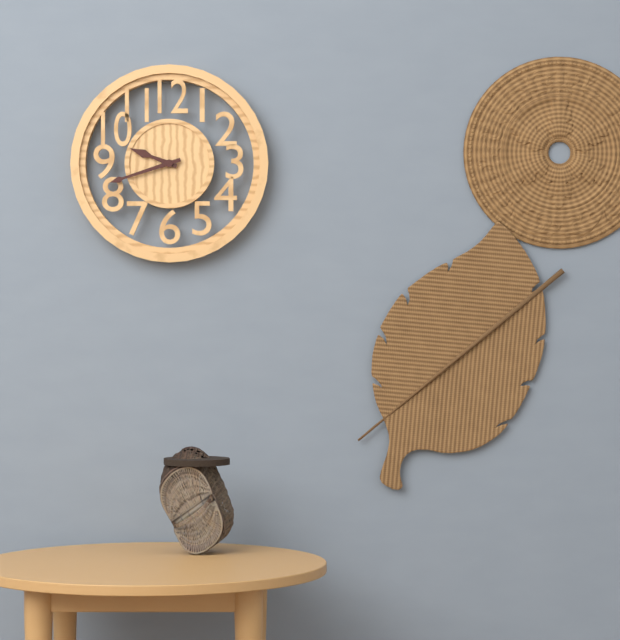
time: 9:42
